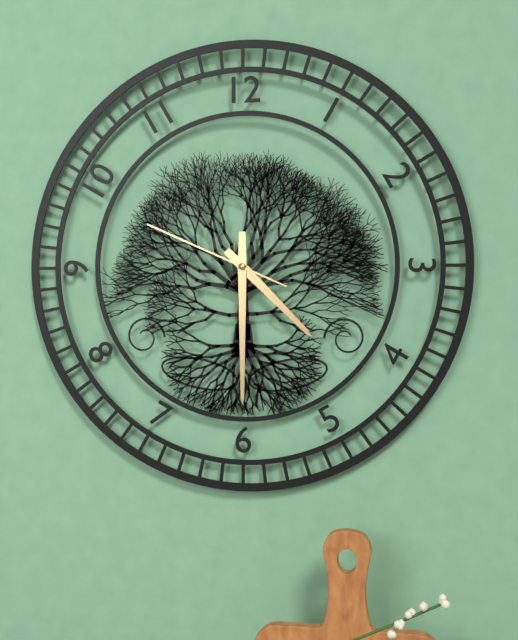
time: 4:30:49
